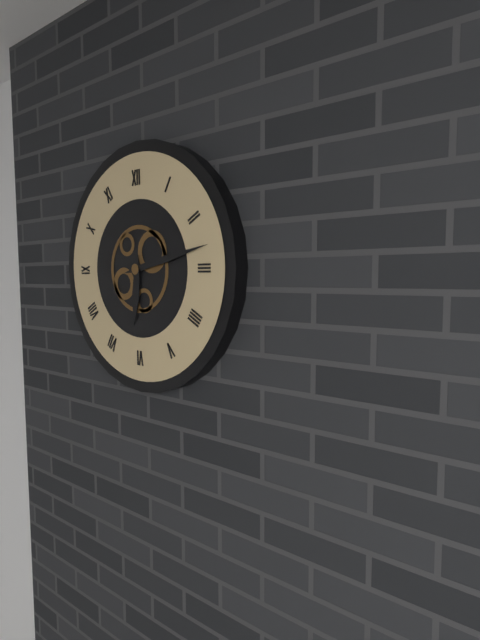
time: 6:13
